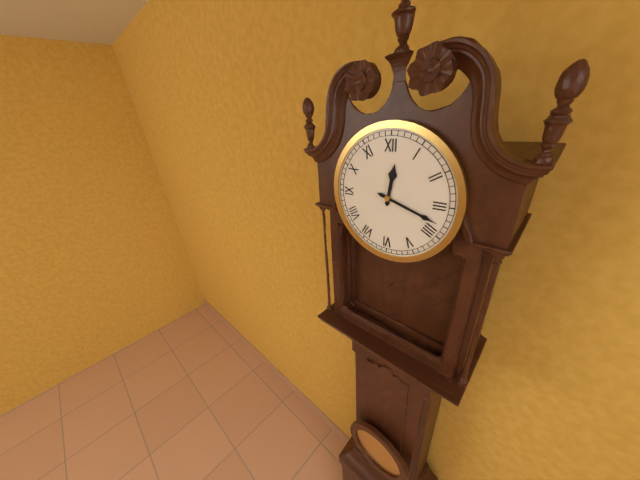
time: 12:18
